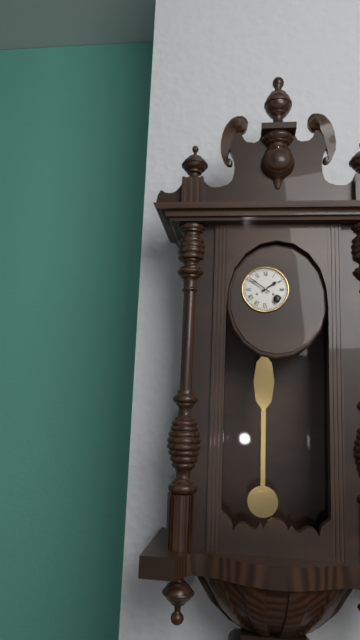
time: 1:51
